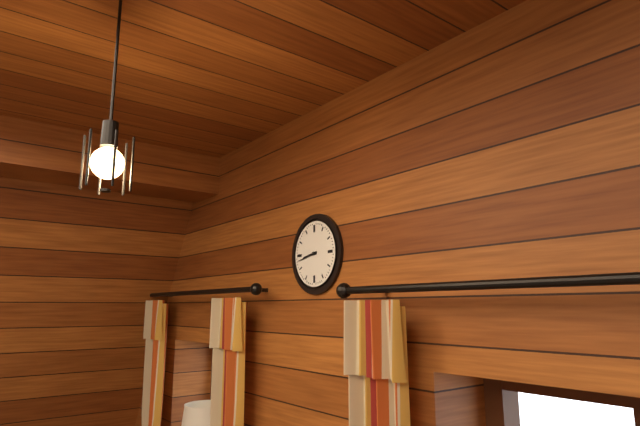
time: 8:43
